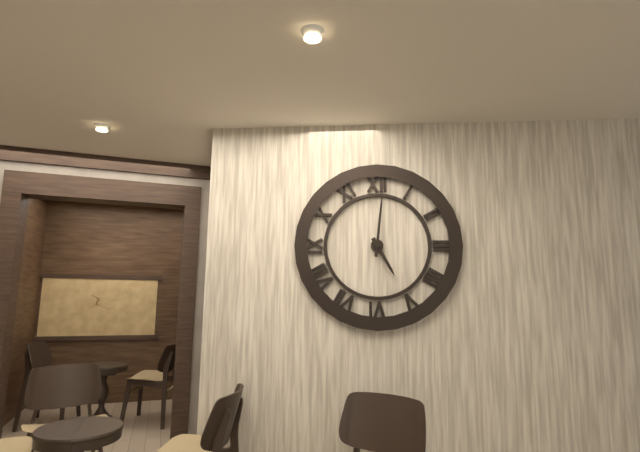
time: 5:01
